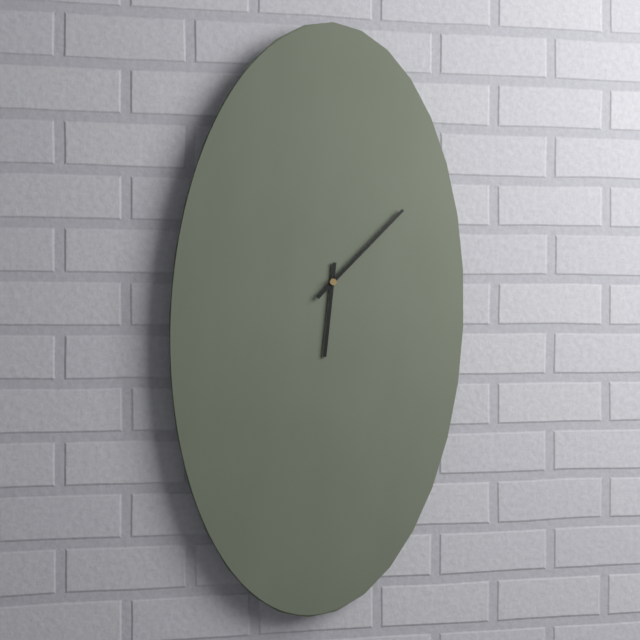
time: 6:07
